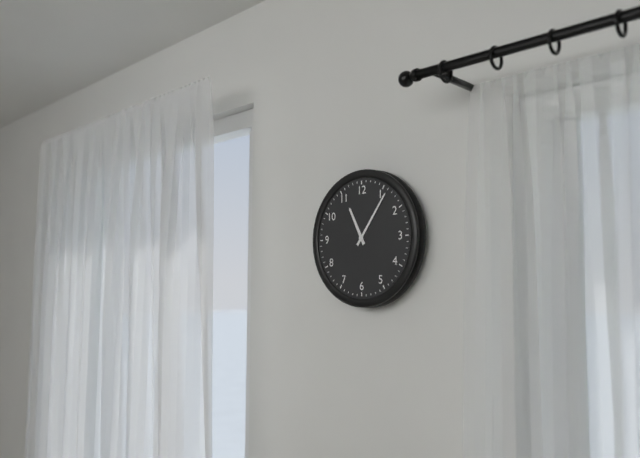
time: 11:06
